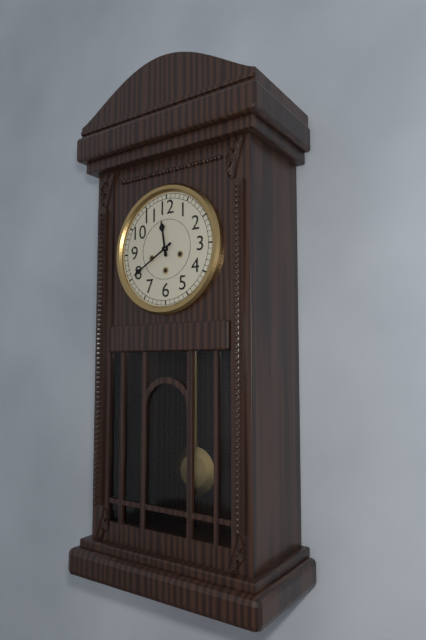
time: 11:40
